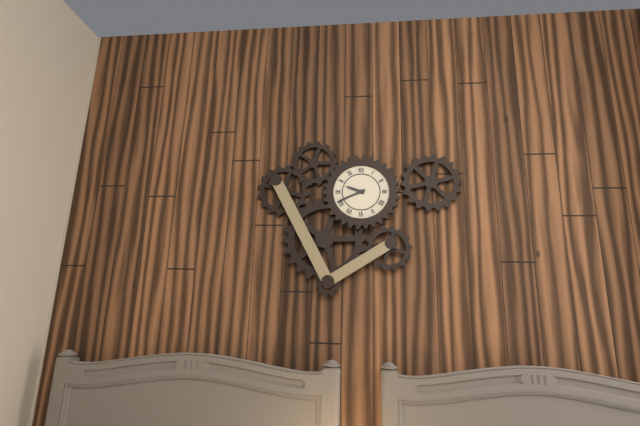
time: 9:41
